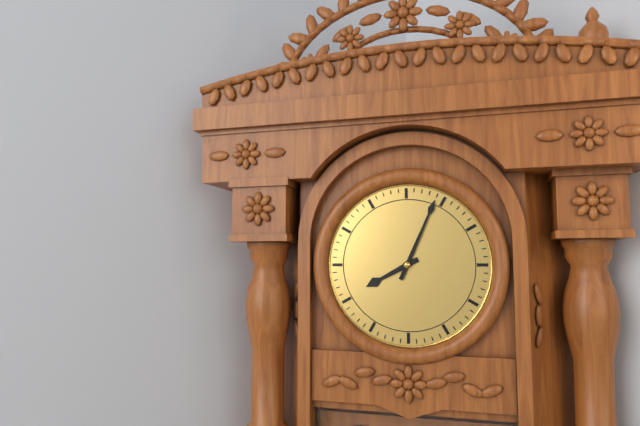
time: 8:04
